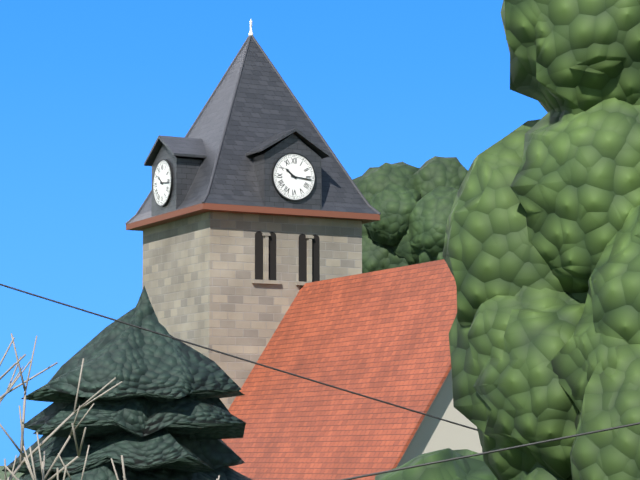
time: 10:16
